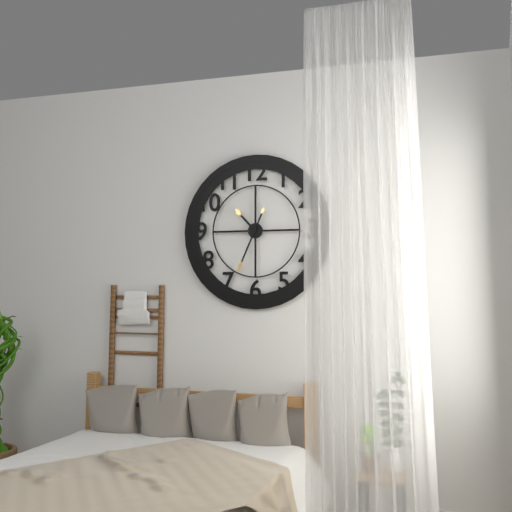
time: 10:34
